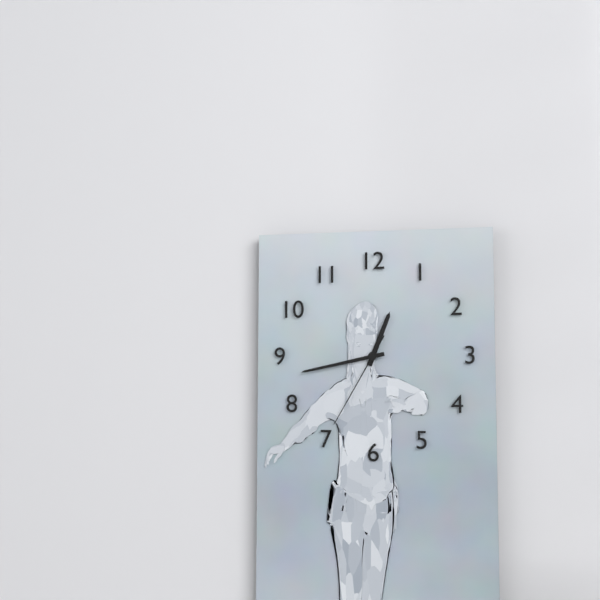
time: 12:43:35
